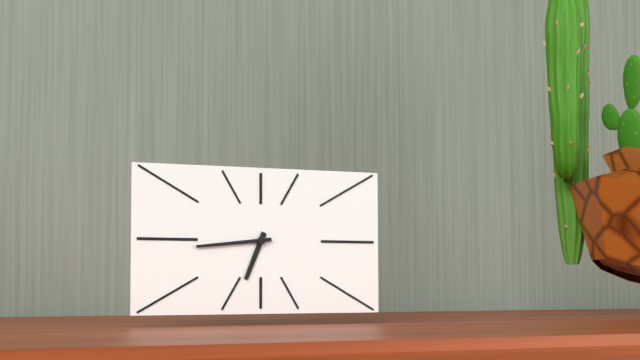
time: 6:44
